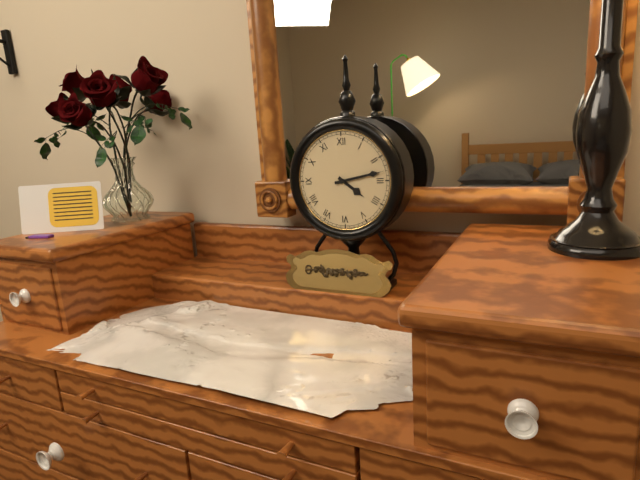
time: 4:13
